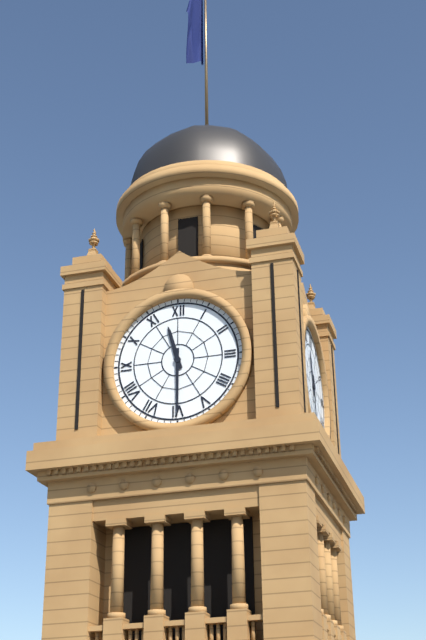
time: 11:30
